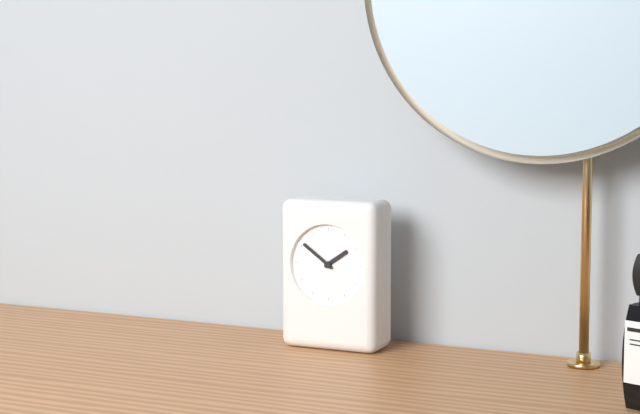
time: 1:51
